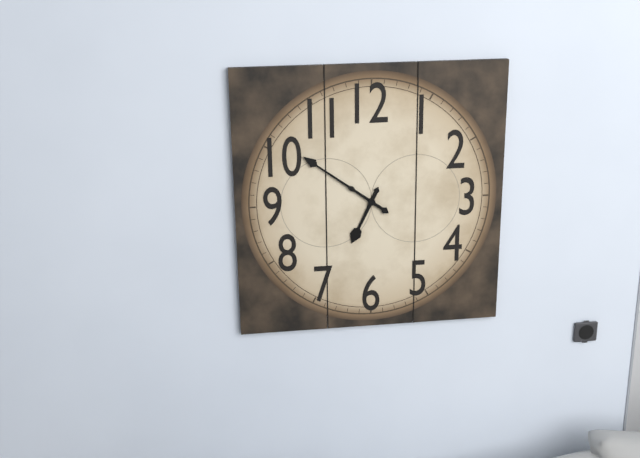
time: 6:51
